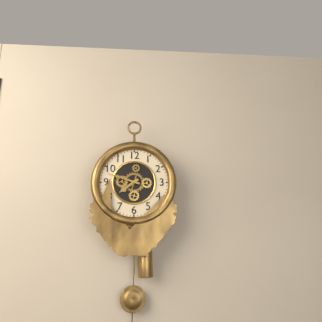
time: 7:48
